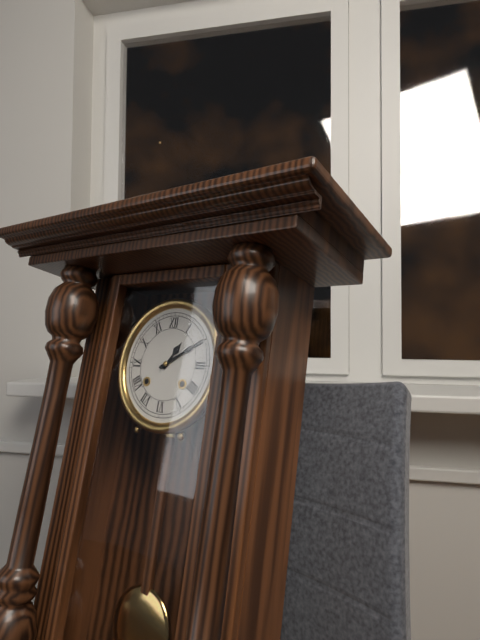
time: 1:10
